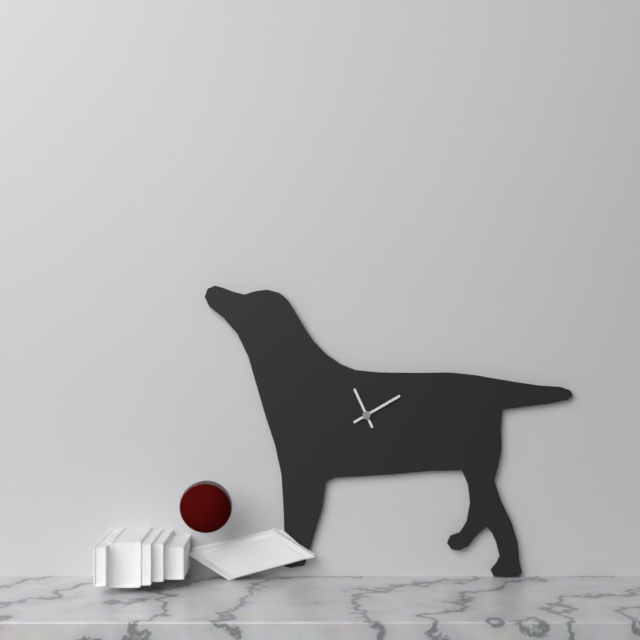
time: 11:10
